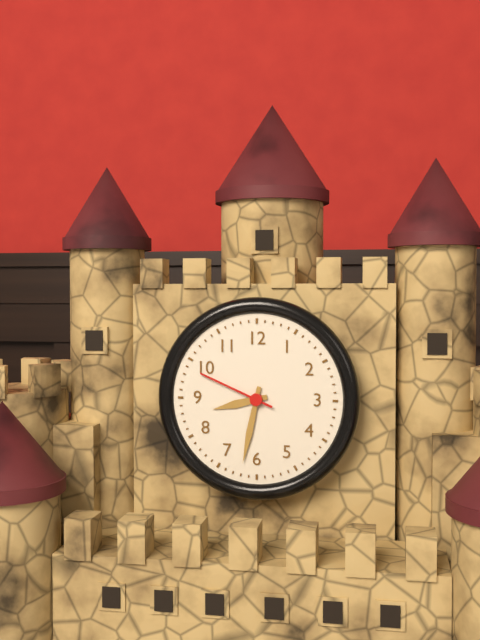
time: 8:32:49
